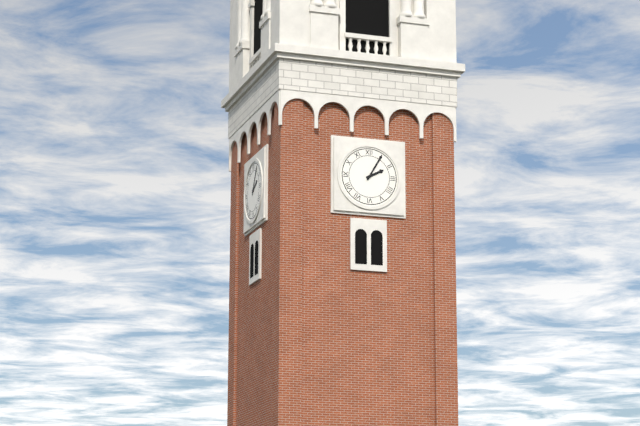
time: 2:05
